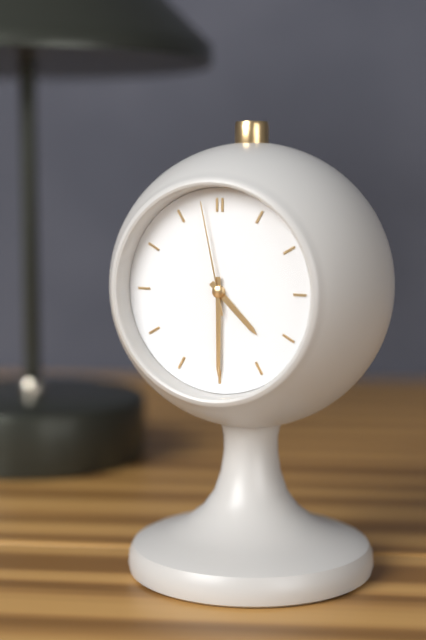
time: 4:30:58
